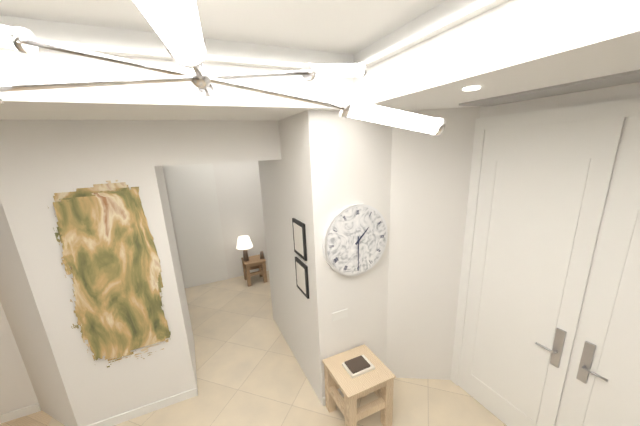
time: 1:30
